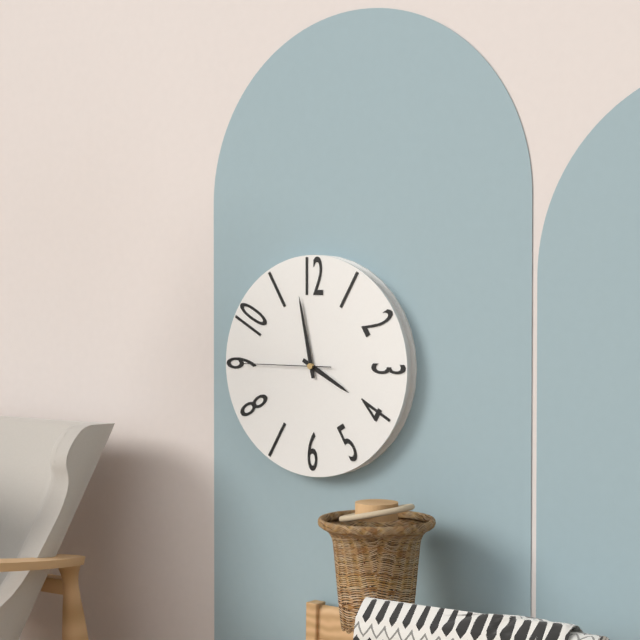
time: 3:58:45
